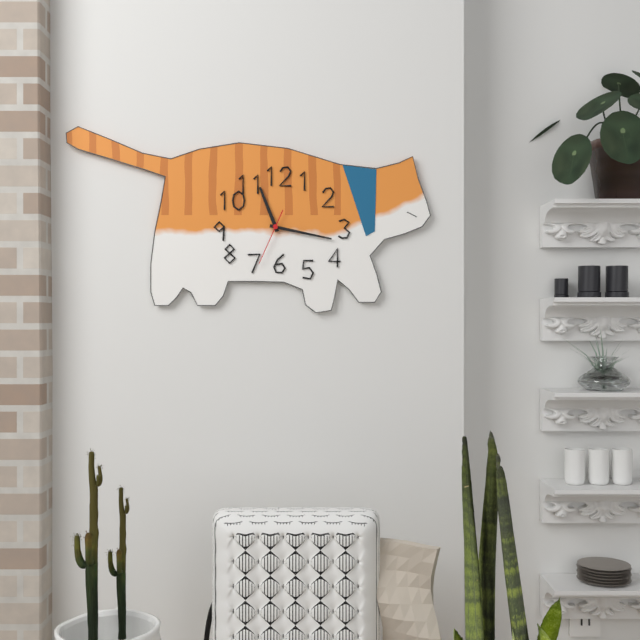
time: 11:17:34
